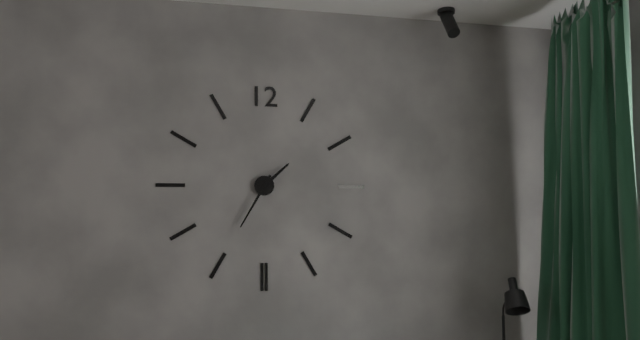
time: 1:35
